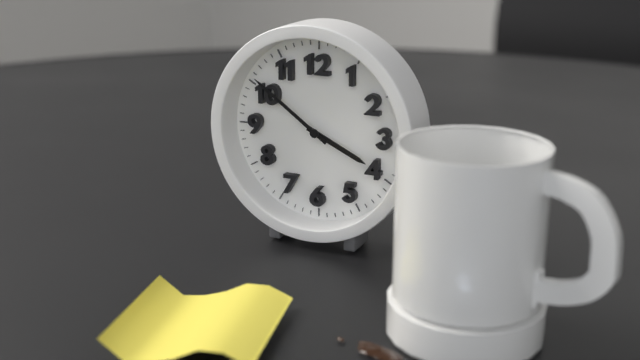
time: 3:51
